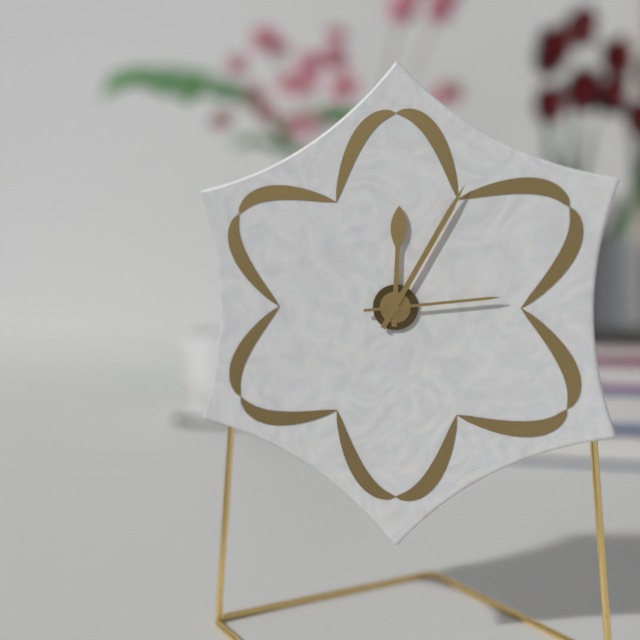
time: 12:05:14
